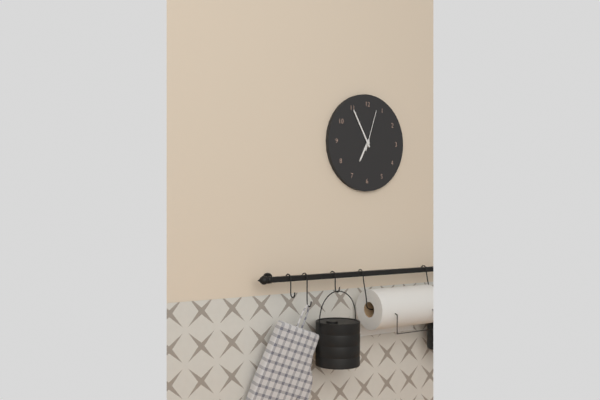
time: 6:55
